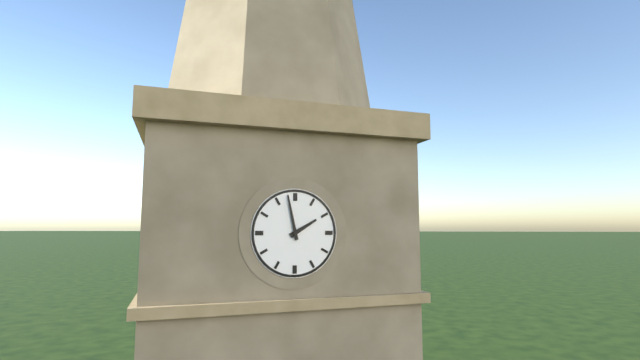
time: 1:58
